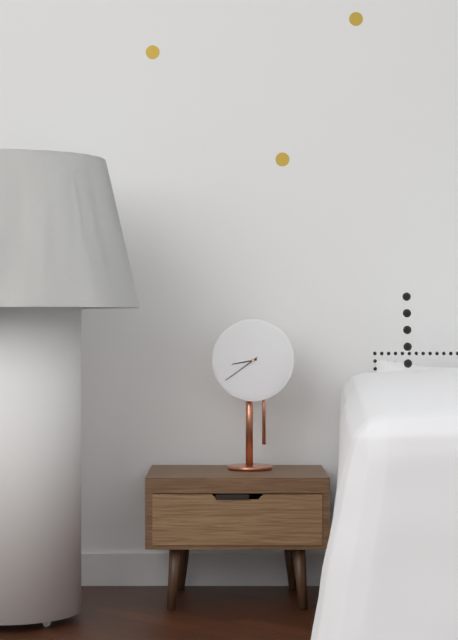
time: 8:39
